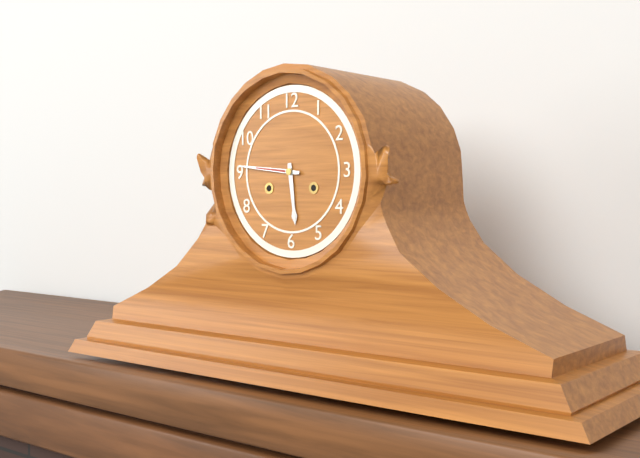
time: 5:46
